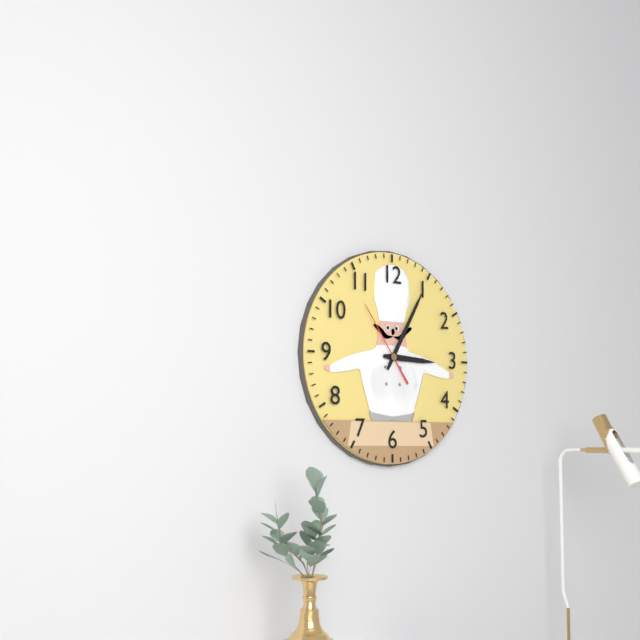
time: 3:05:54
